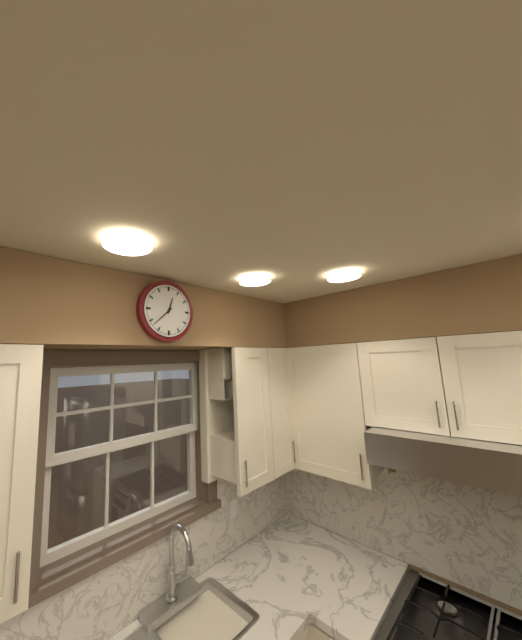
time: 12:38
